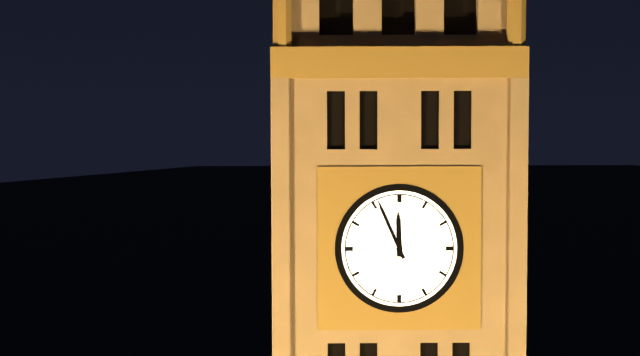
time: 11:56
